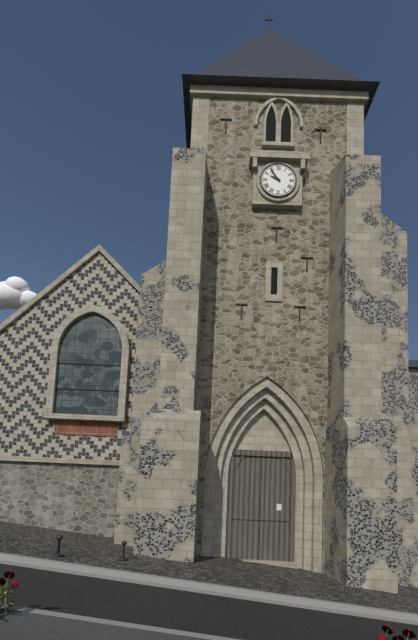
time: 9:54
